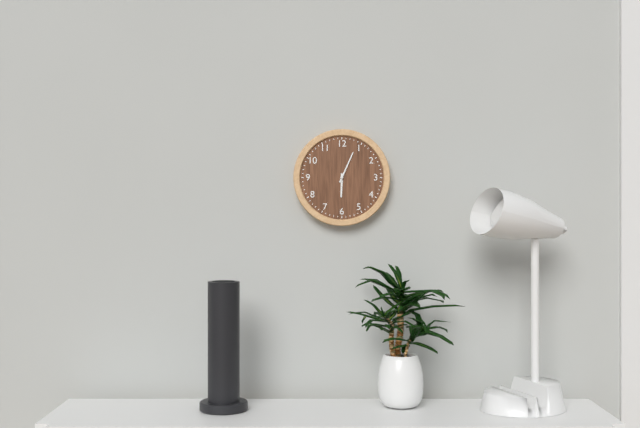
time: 6:04
